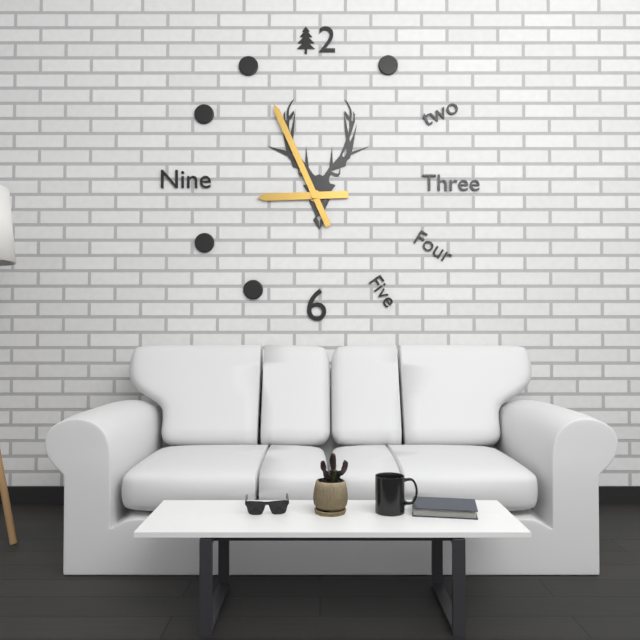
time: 8:56
